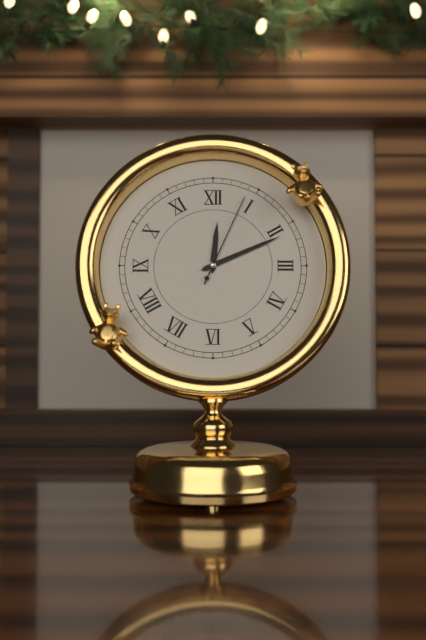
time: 12:11:04
